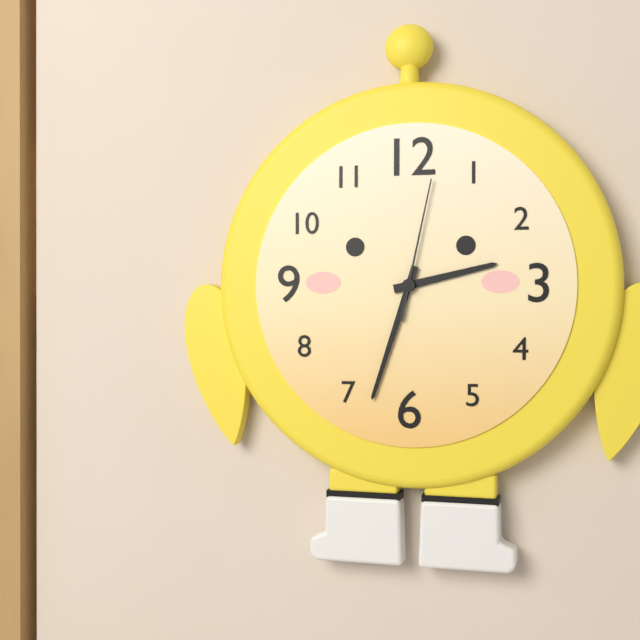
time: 2:33:02
